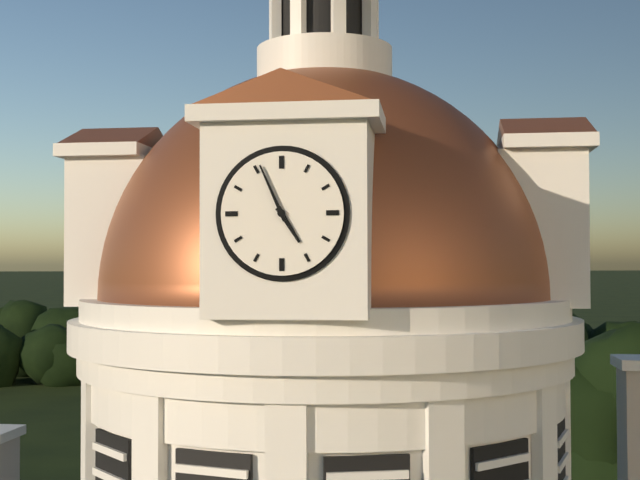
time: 4:56
